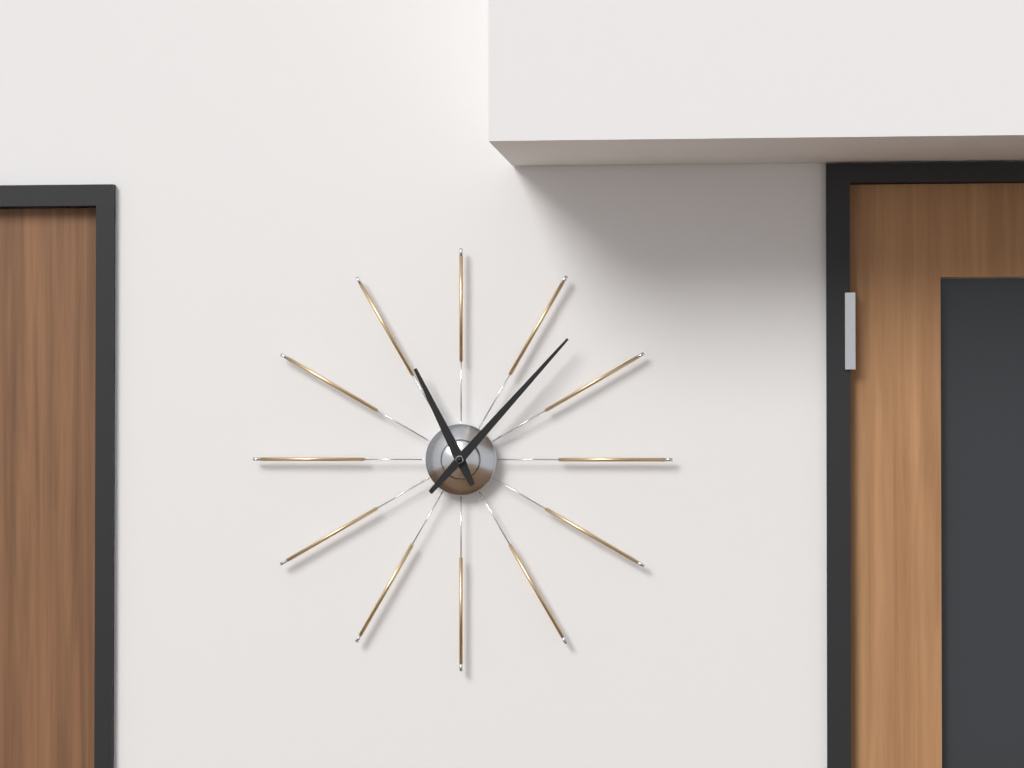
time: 11:07
